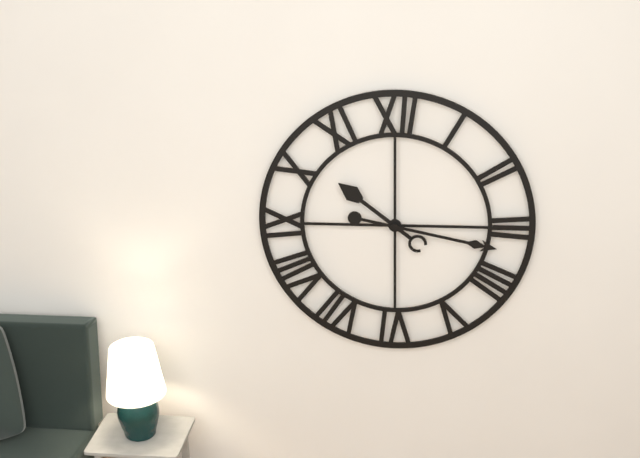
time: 10:17
